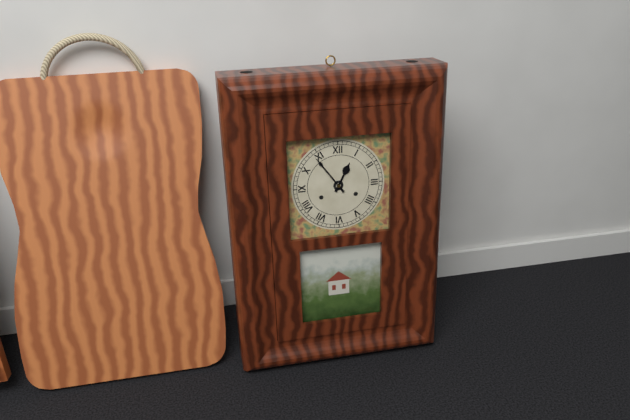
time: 12:54
